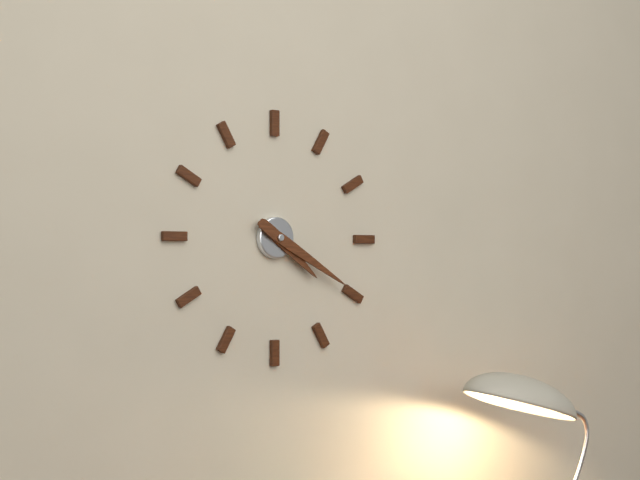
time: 4:20
